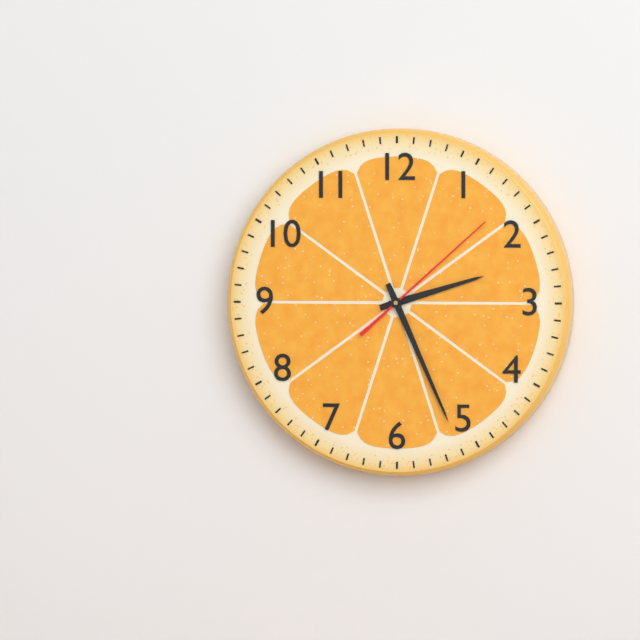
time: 2:26:08
